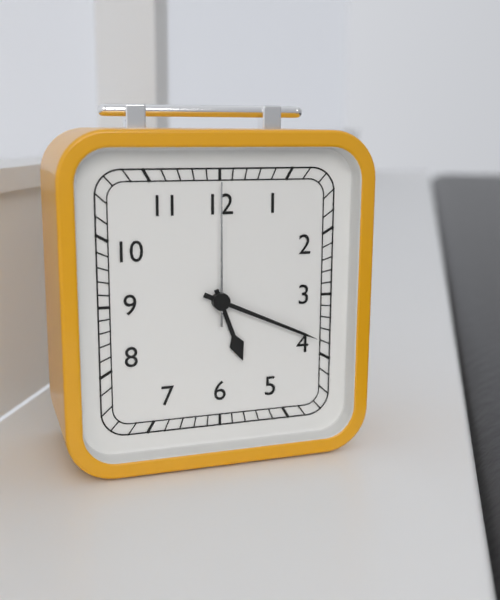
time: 5:19:00
